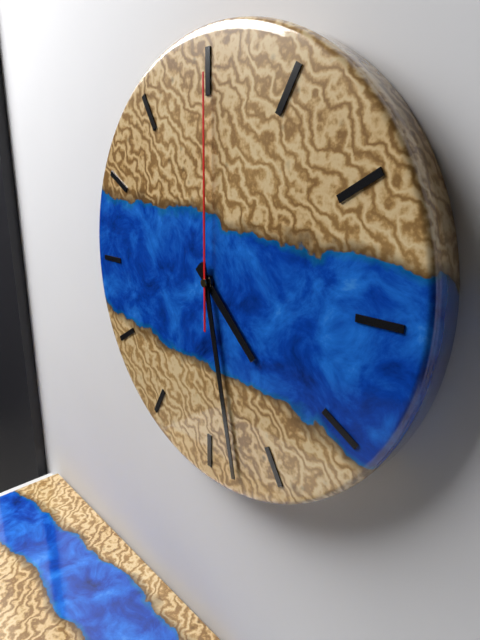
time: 4:28:00
